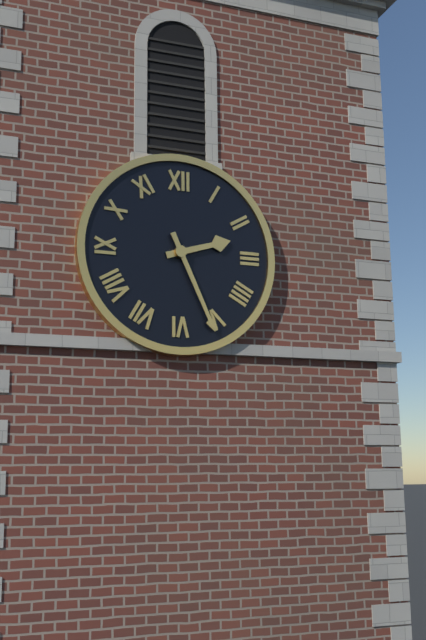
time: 2:26
